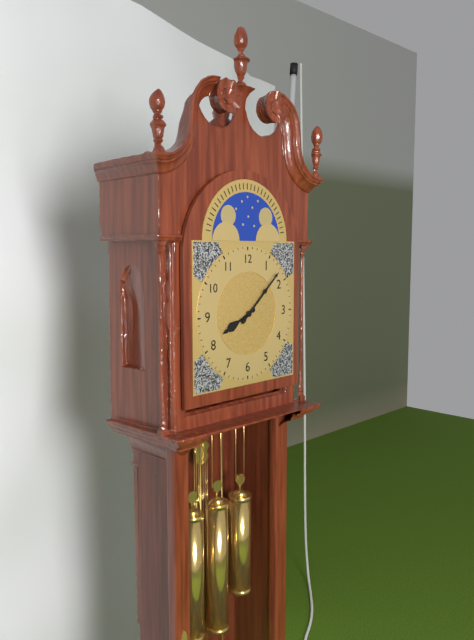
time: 8:08
